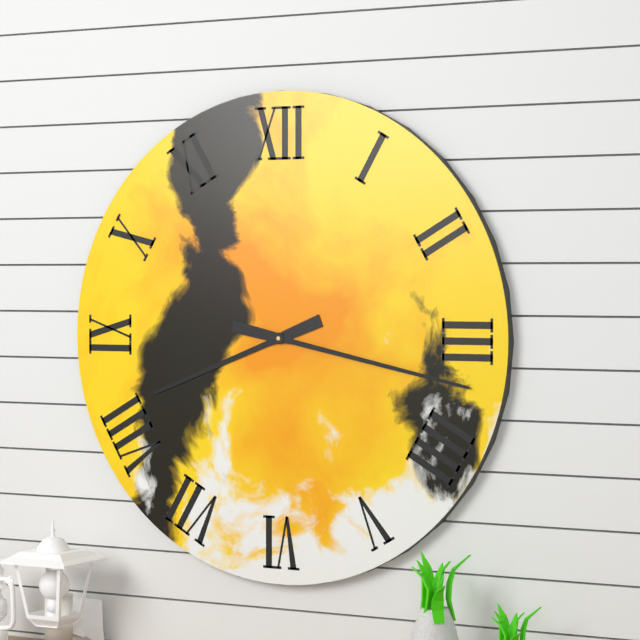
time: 8:17
